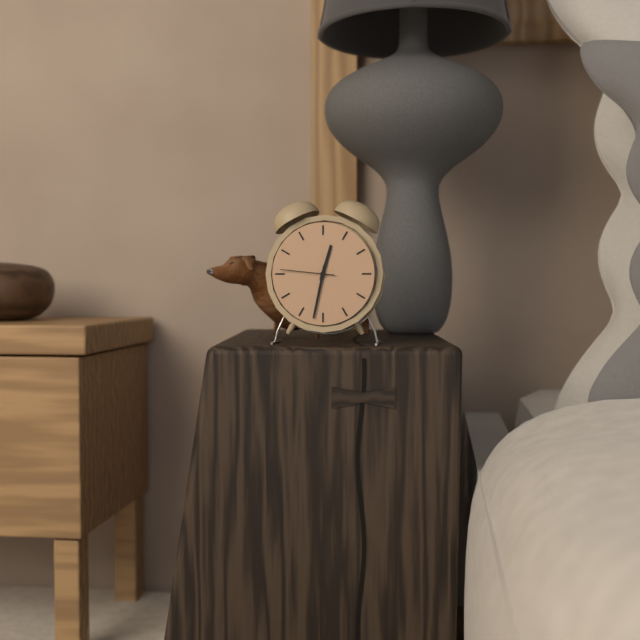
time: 12:32:46
